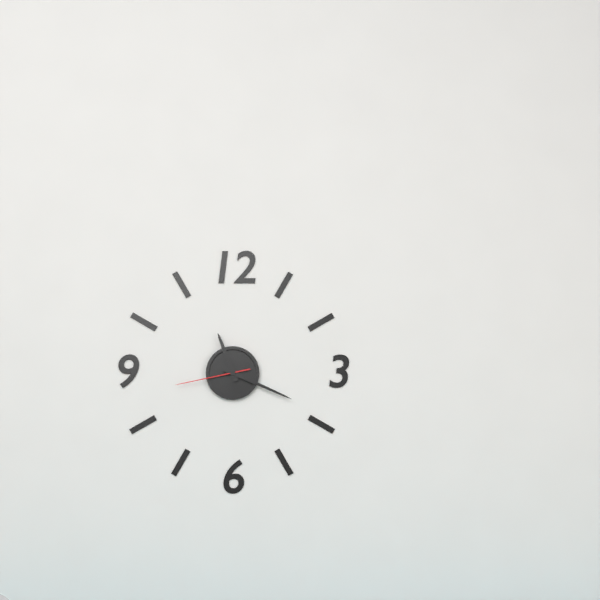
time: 11:19:43
